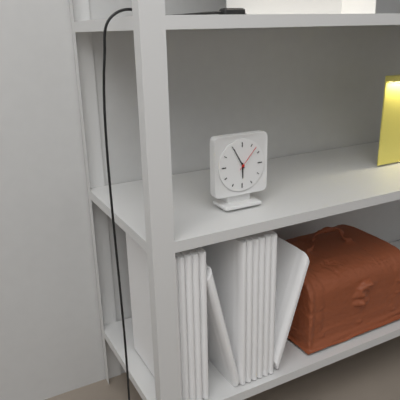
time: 5:55
